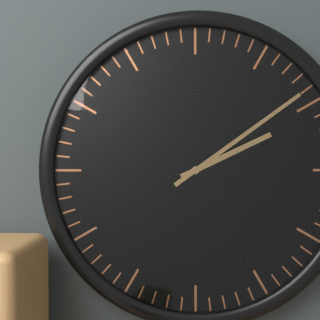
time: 2:09
